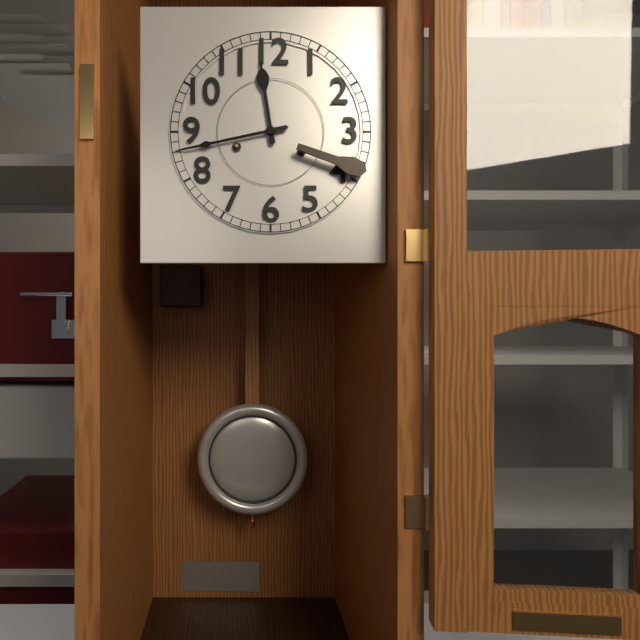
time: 11:43
